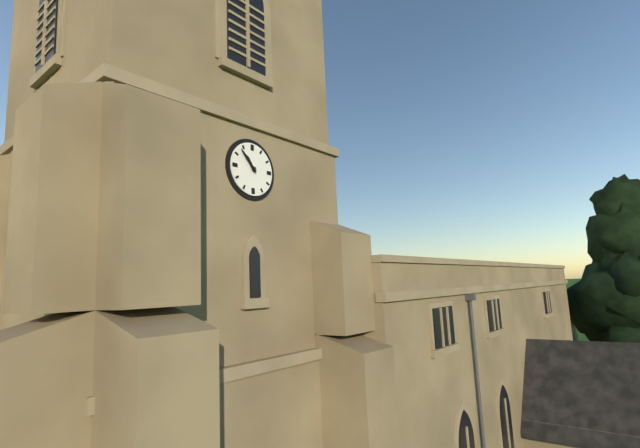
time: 10:53
